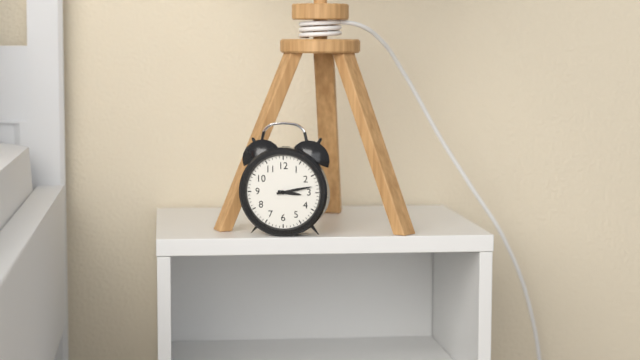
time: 3:13
